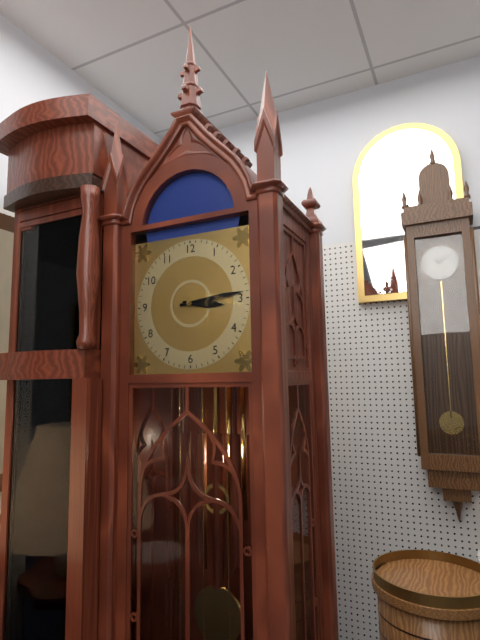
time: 3:14
